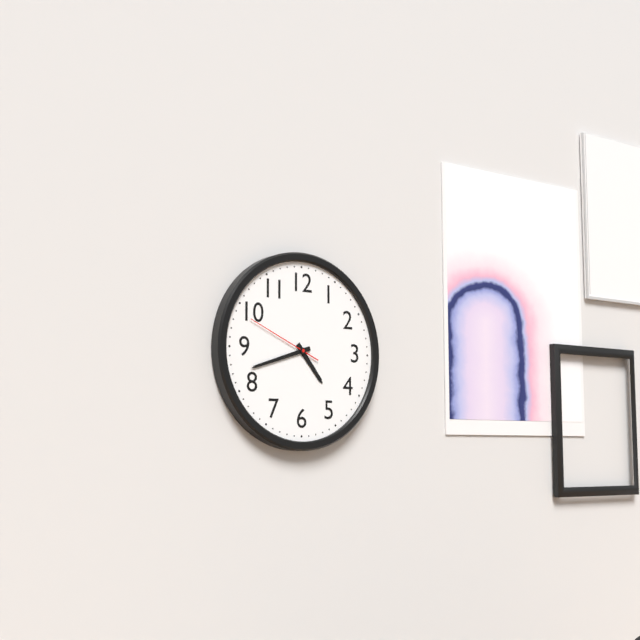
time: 4:42:49
